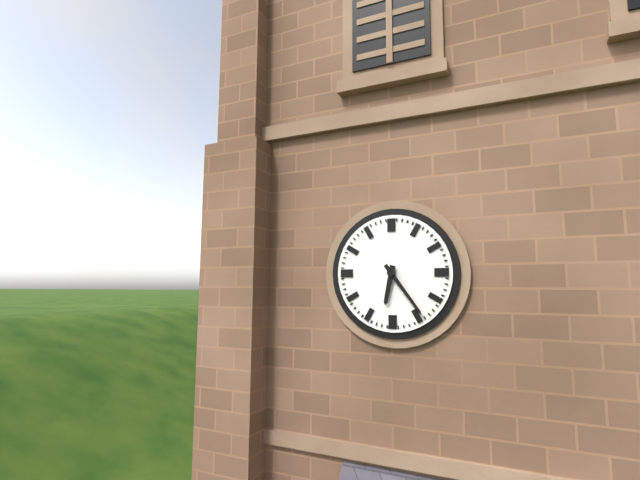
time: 6:24
